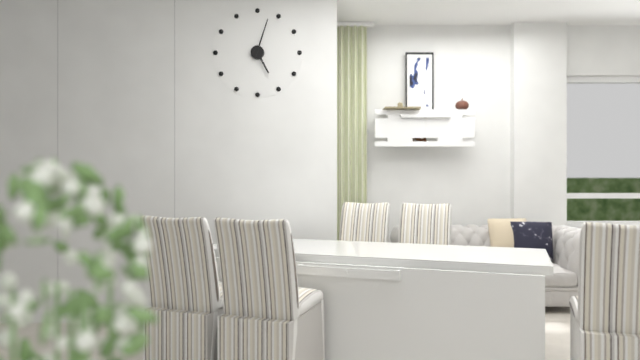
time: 5:03
